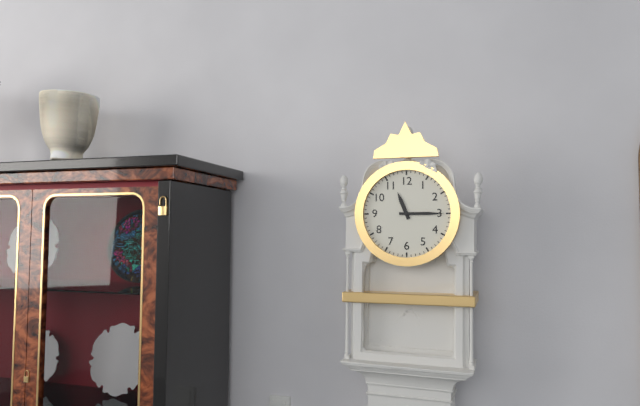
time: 11:15
